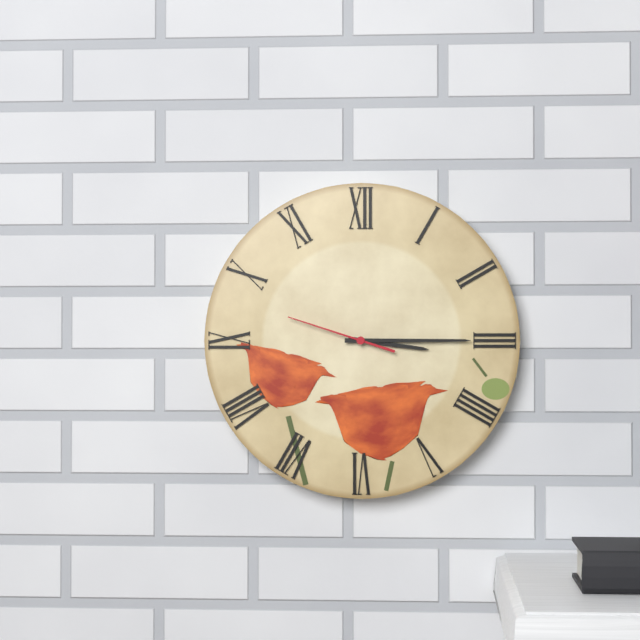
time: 3:15:48
